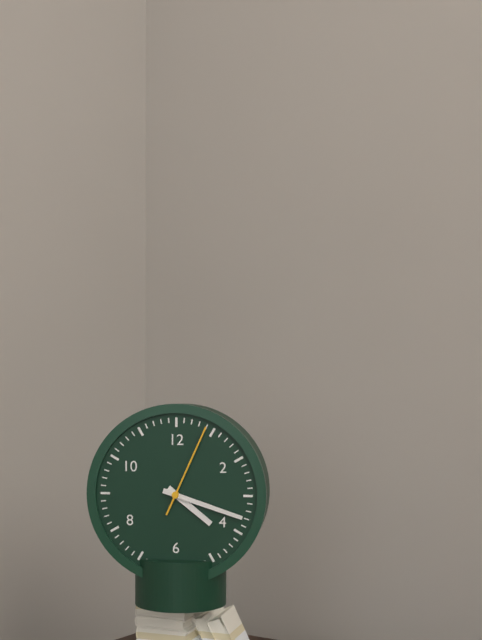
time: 4:18:04
